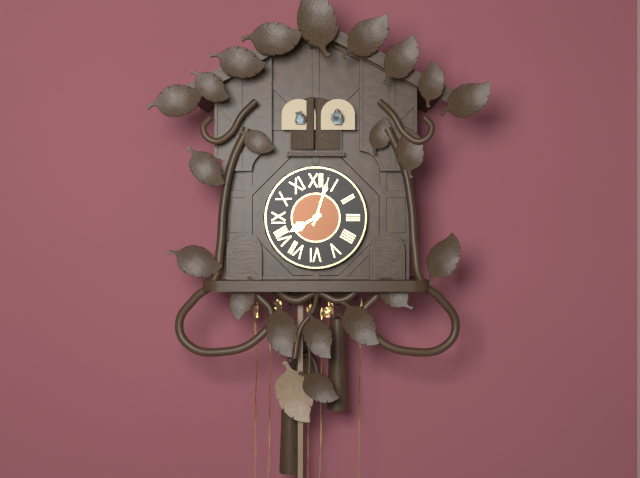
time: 8:03
